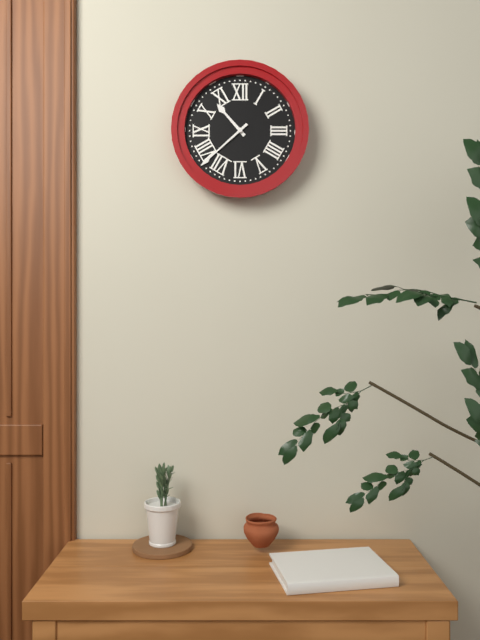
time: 10:38
